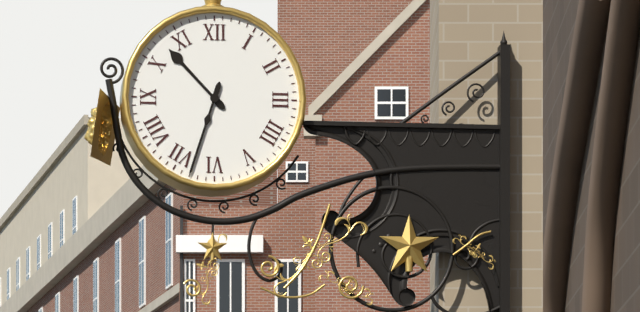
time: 10:33
